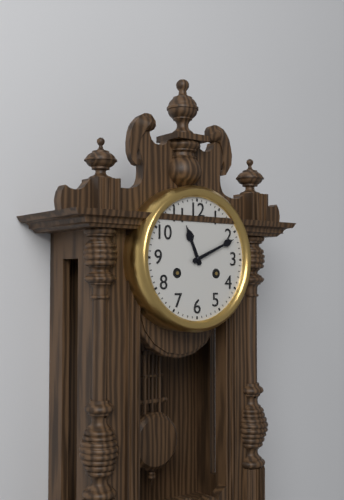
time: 11:11
